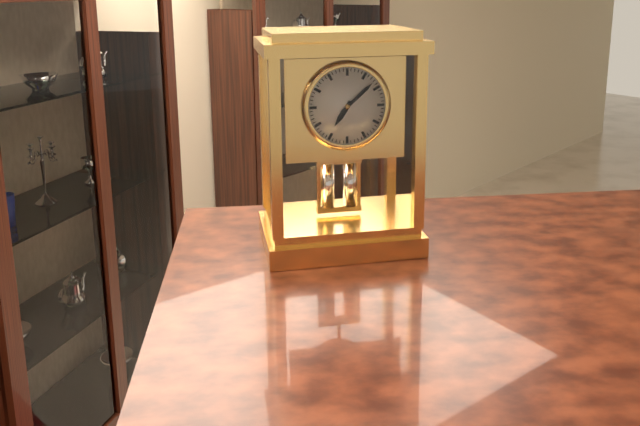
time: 7:08
